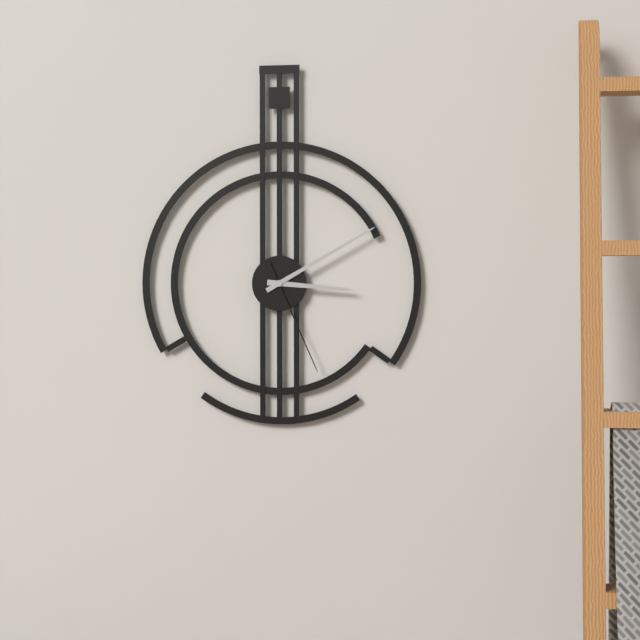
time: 3:10:26
